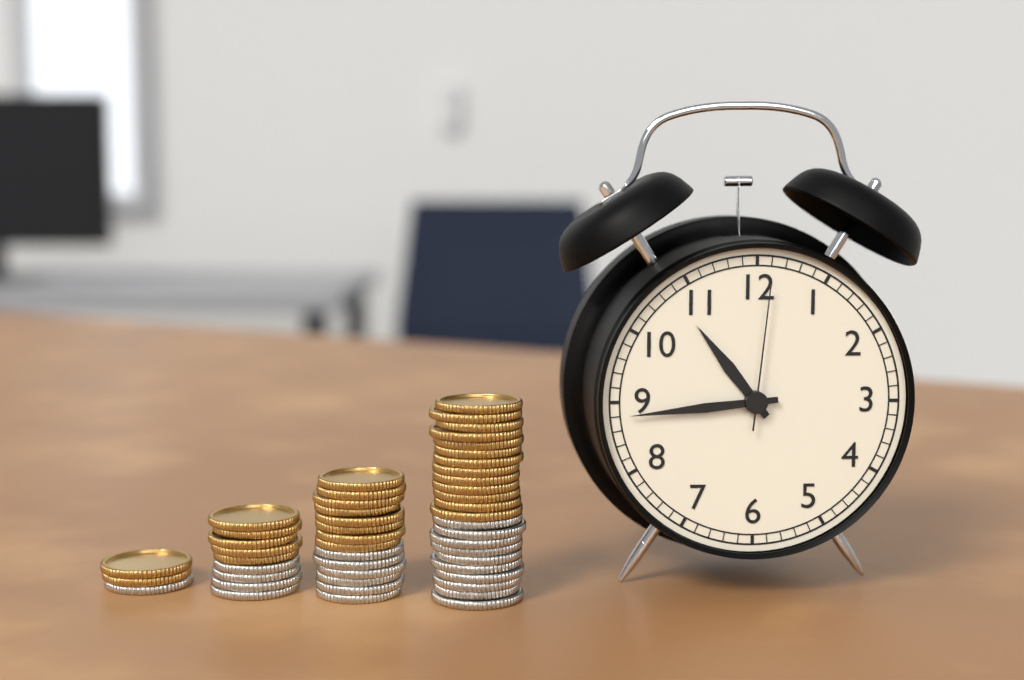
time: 10:44:01
